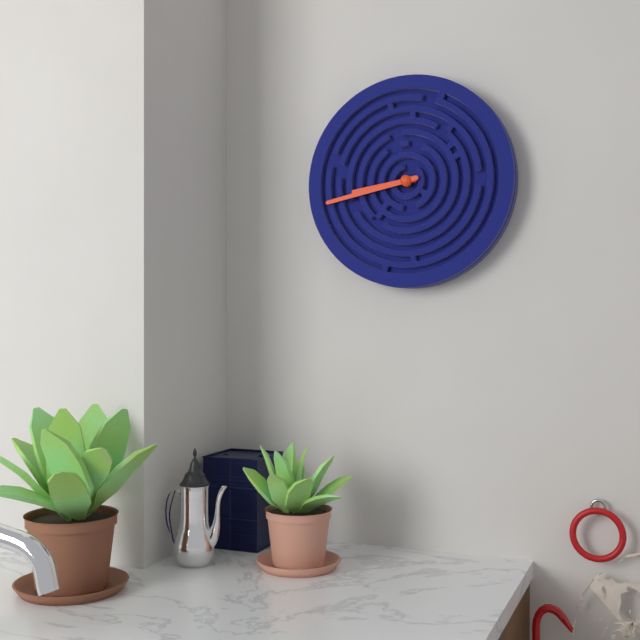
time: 8:43
